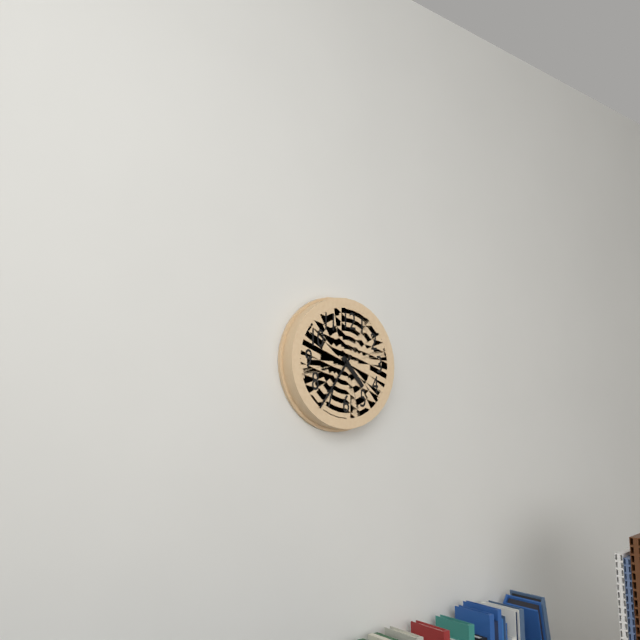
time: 4:36
